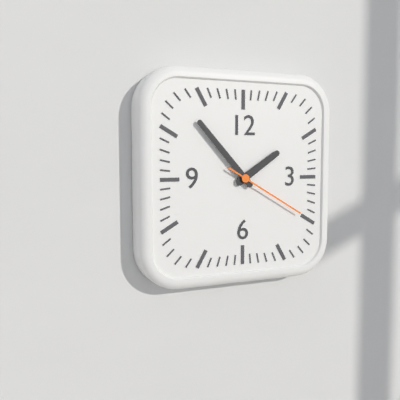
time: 1:53:20
